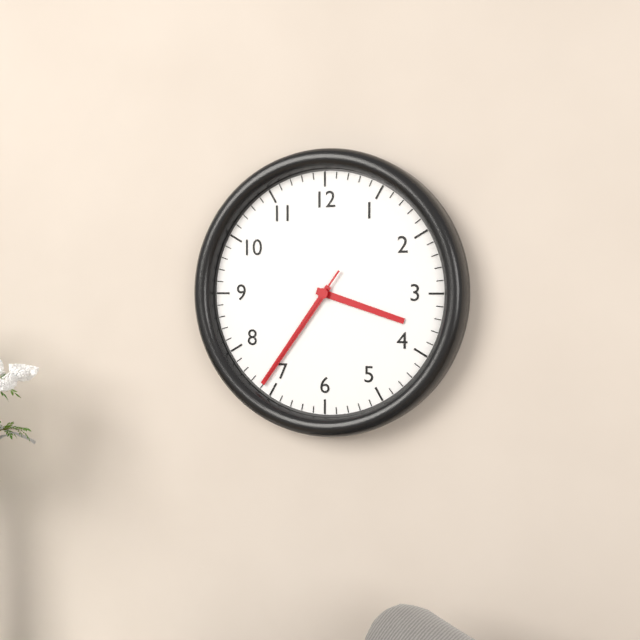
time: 3:36:36
